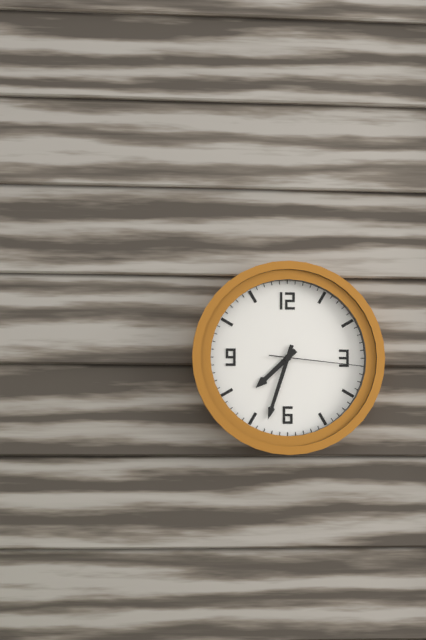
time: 7:33:16
